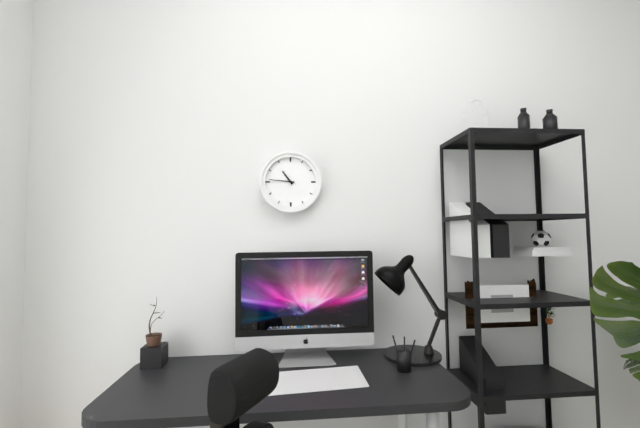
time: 10:46
